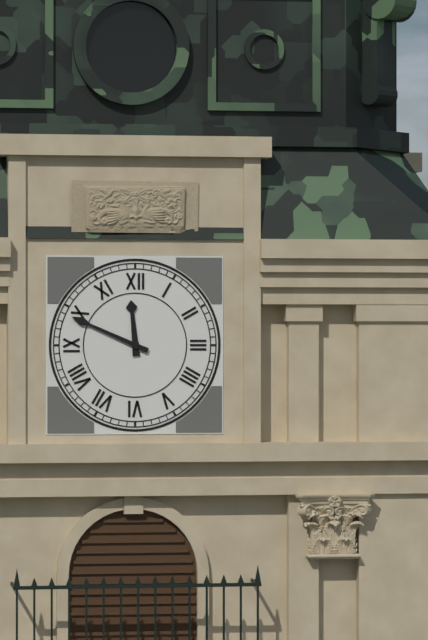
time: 11:49
